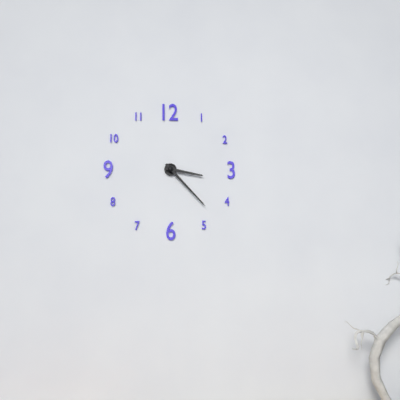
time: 3:23
